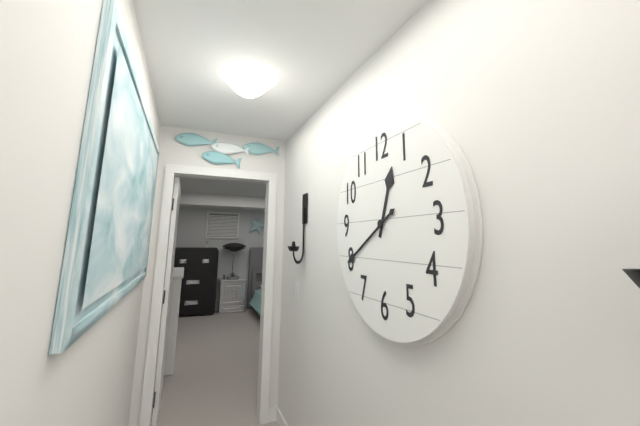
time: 12:40
